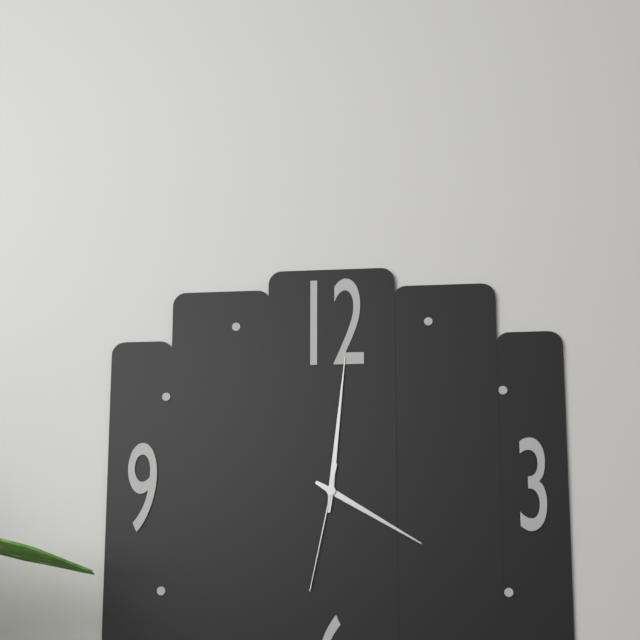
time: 4:01:32
